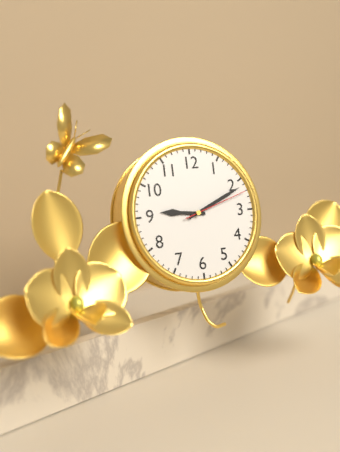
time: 9:11:12
